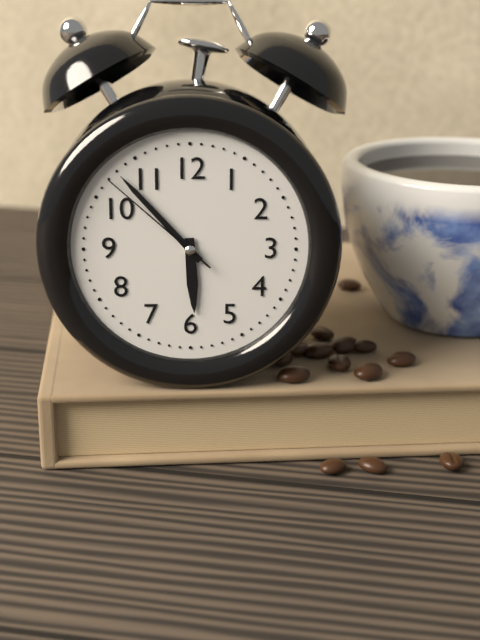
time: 5:53:52
